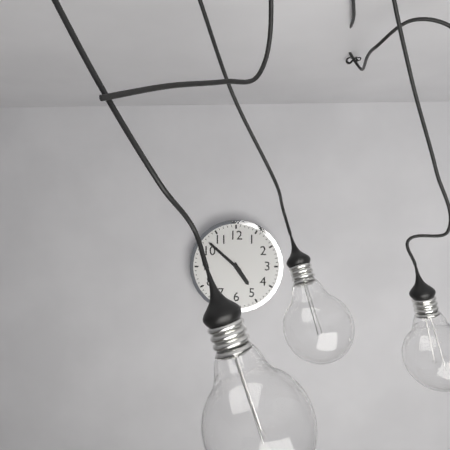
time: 4:52
